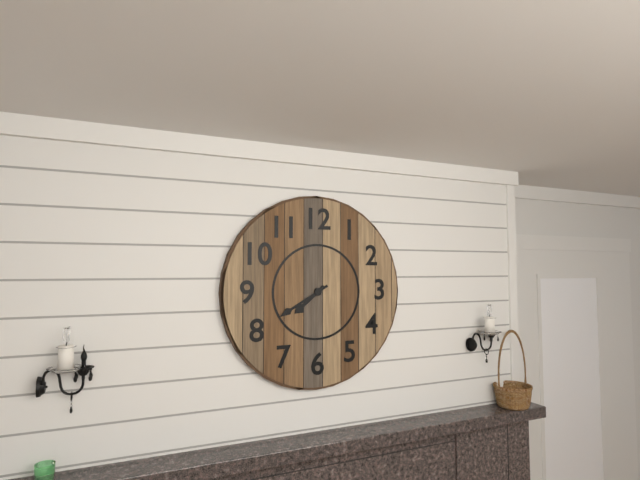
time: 7:40
